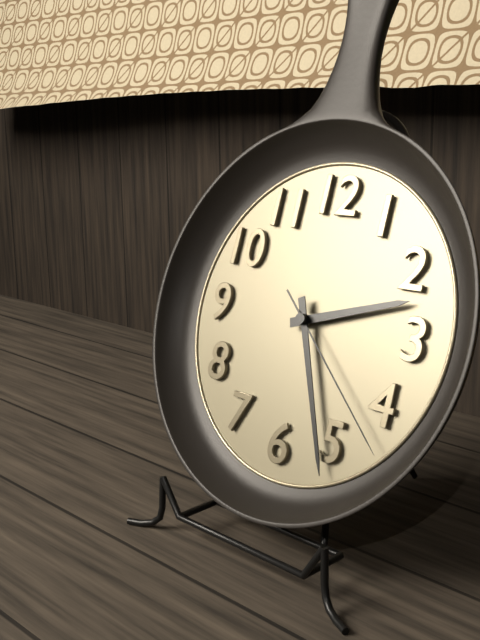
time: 2:26:22
